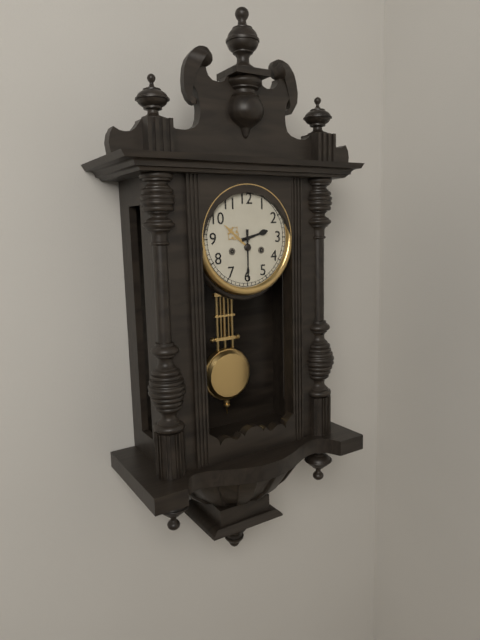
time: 2:30
